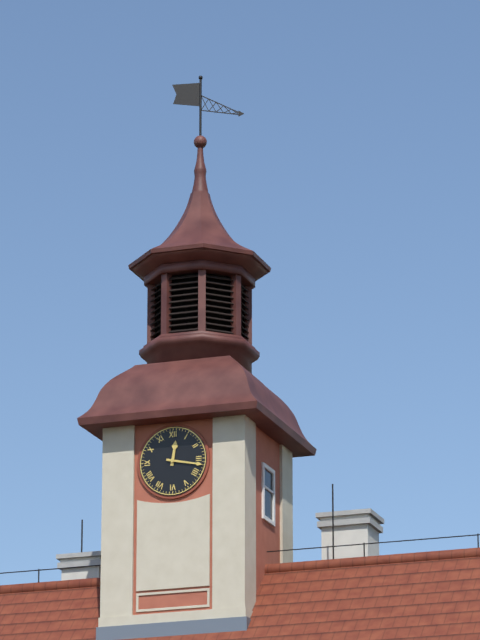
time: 12:17
